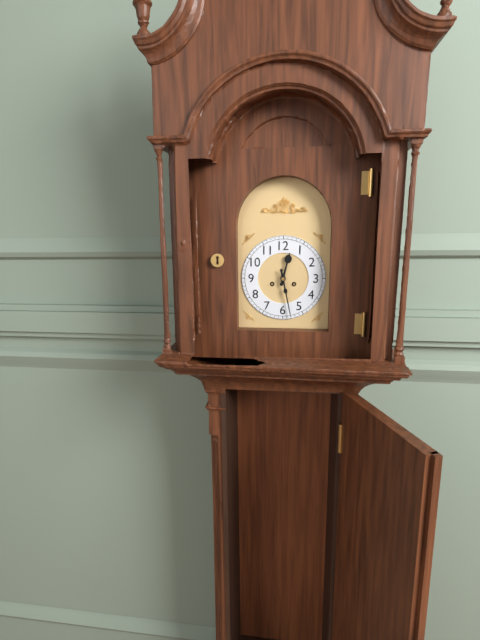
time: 12:28
